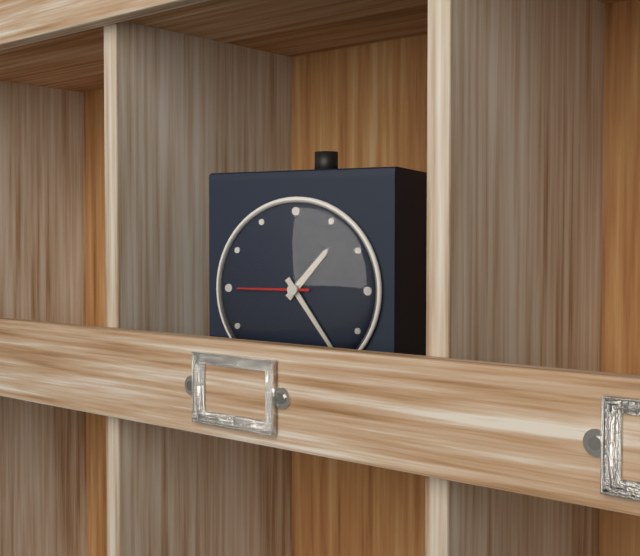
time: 1:24:45
